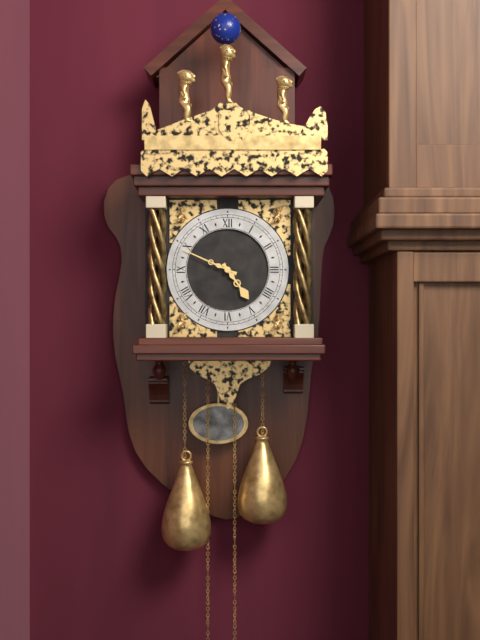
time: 4:49
